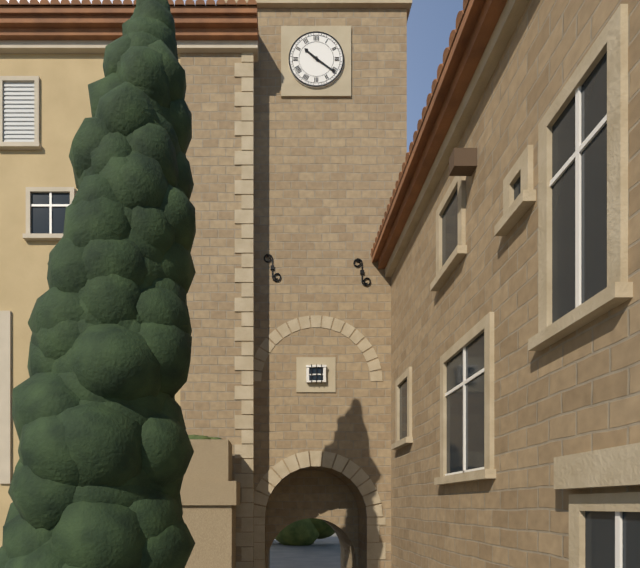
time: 10:21
